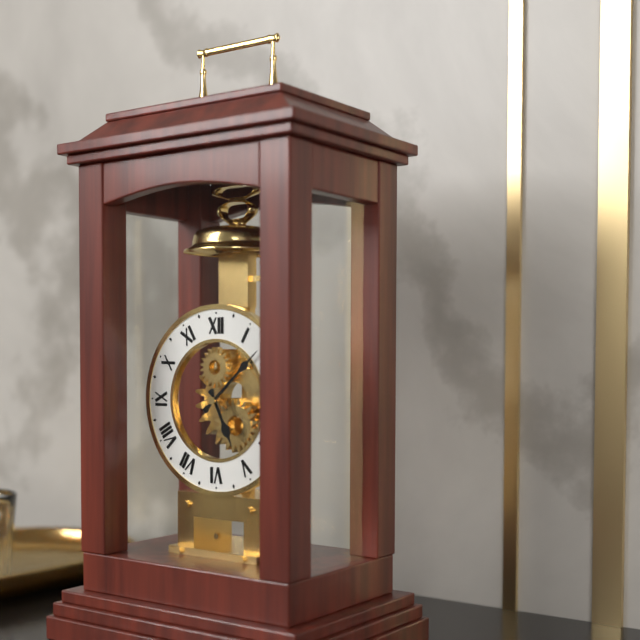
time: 5:08
